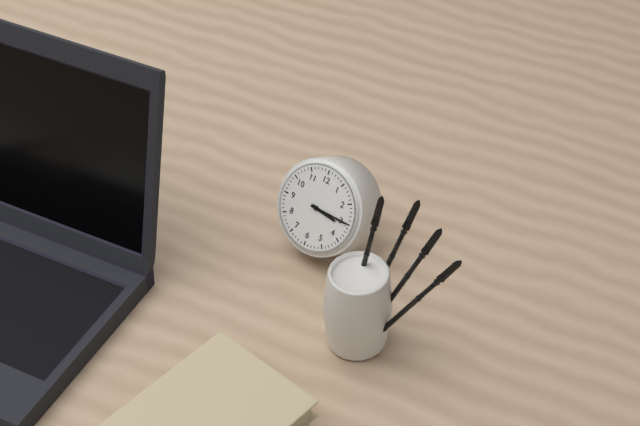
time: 3:15
